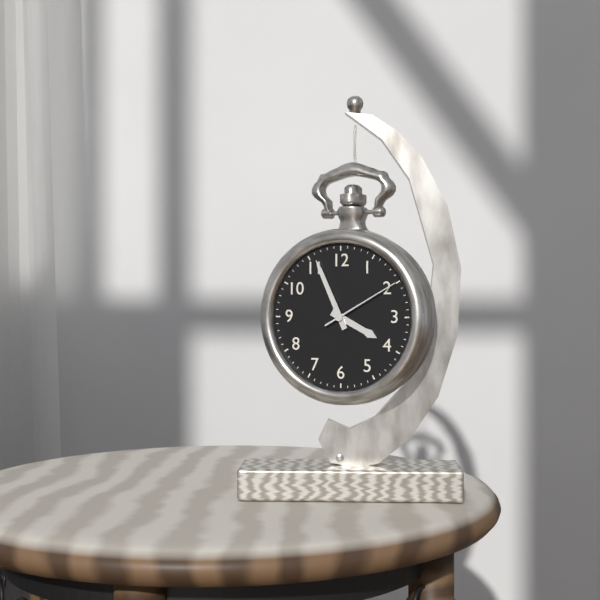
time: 3:56:10
